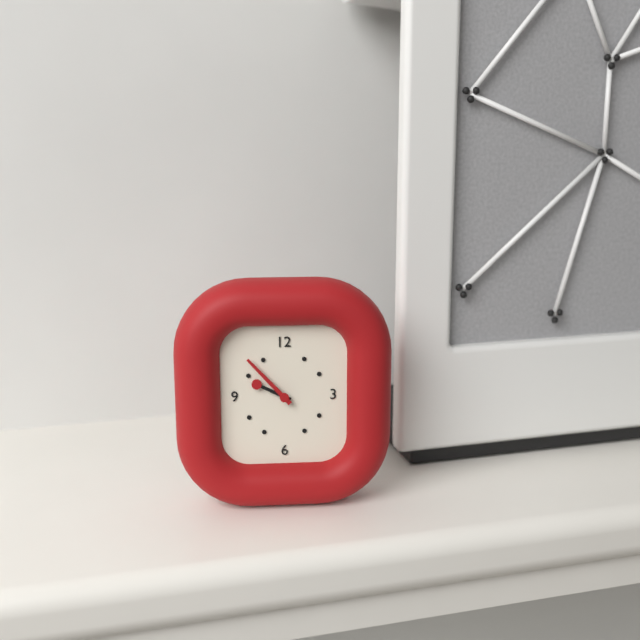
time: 9:53
